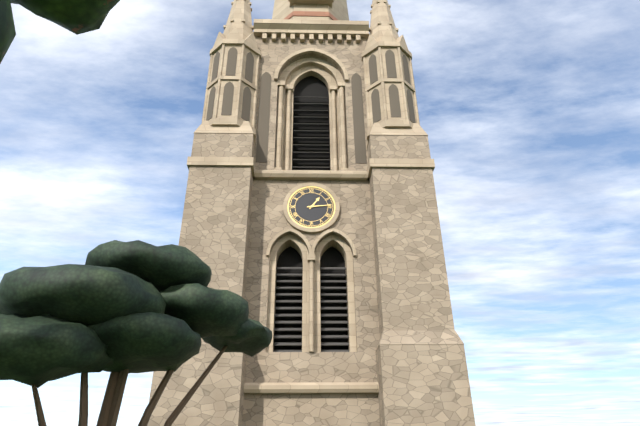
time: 1:14
